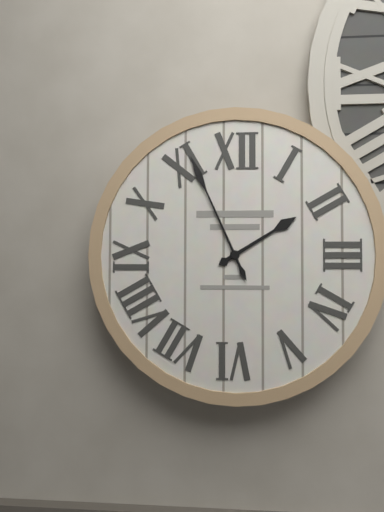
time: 1:56
